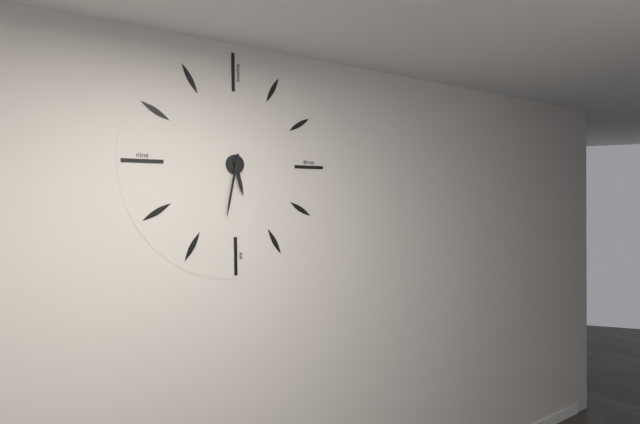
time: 5:32
